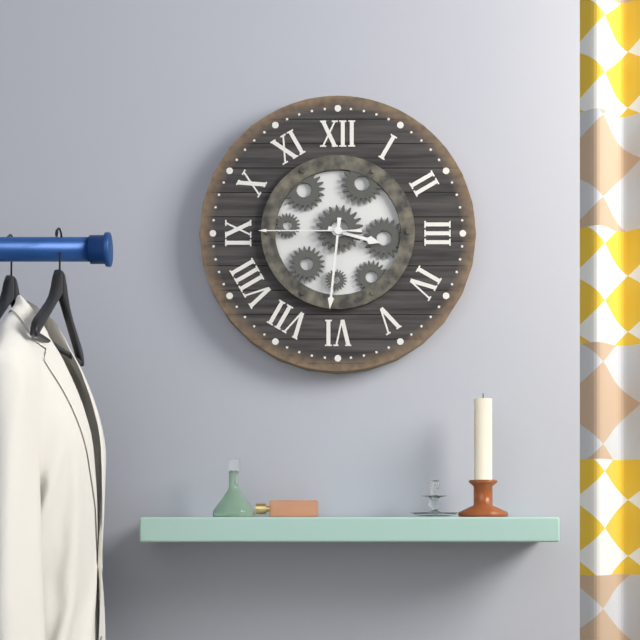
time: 3:31:45
